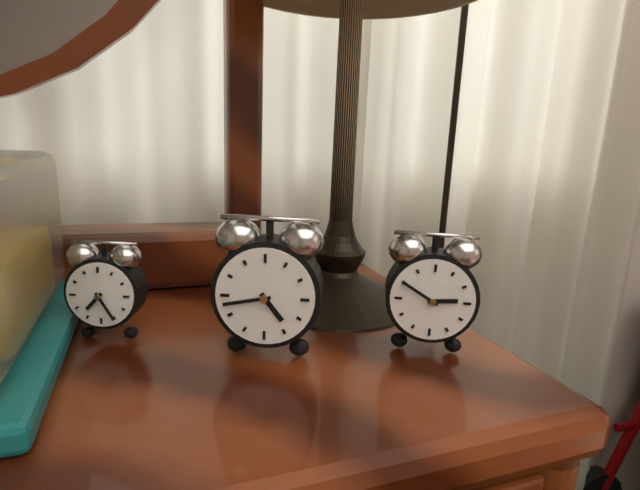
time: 4:43
